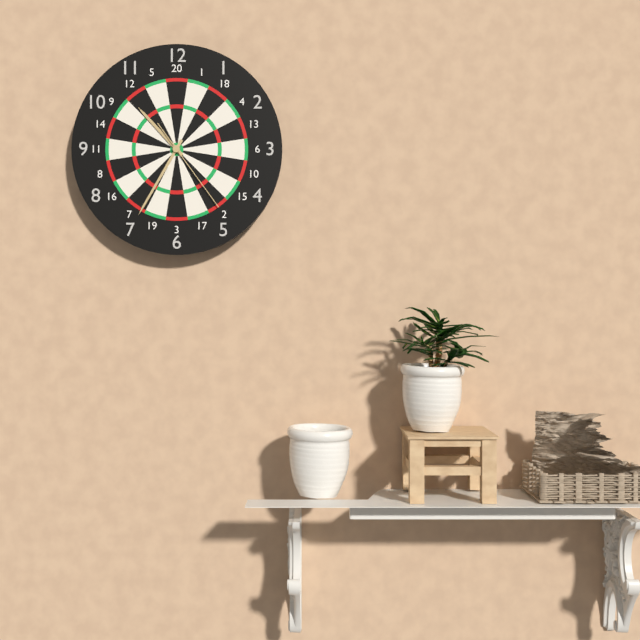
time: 10:35:24
